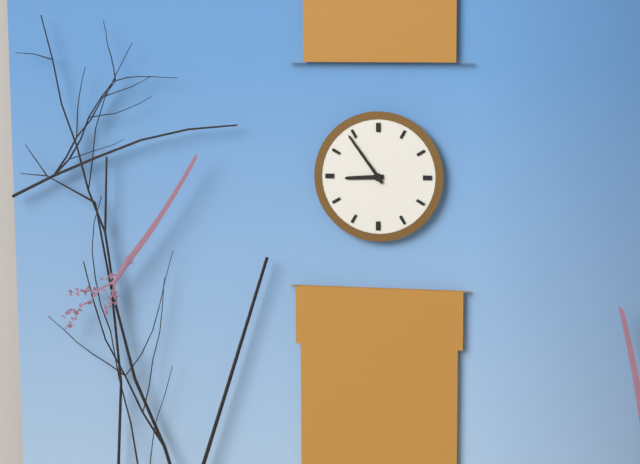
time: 8:54
